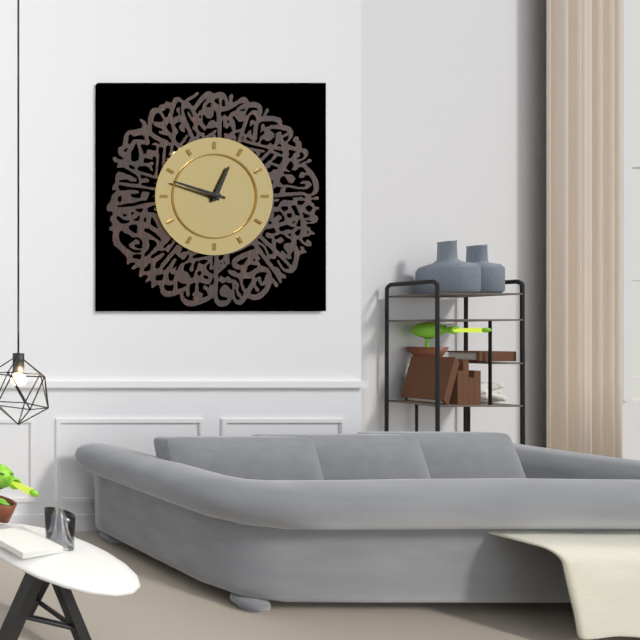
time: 12:48
